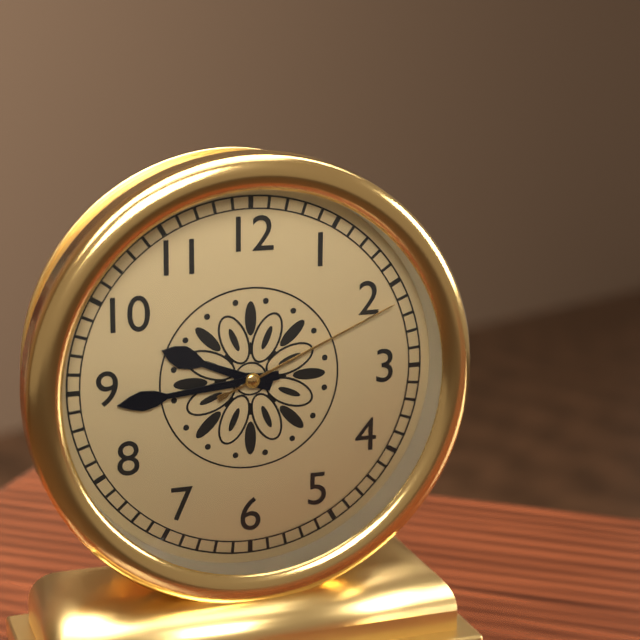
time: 9:44:11
